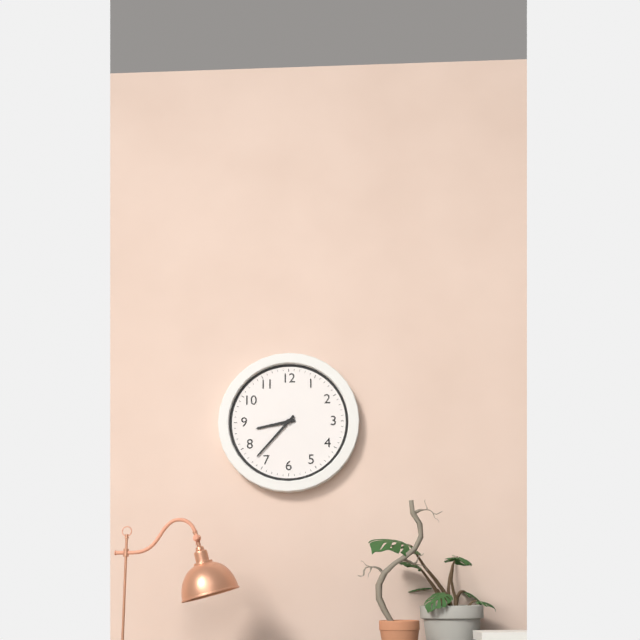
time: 8:37
